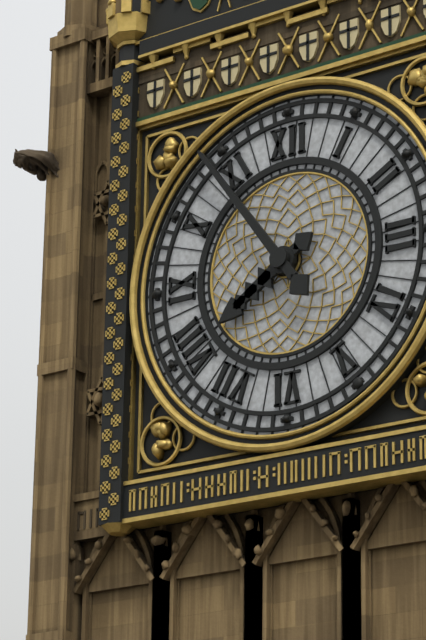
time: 7:54
